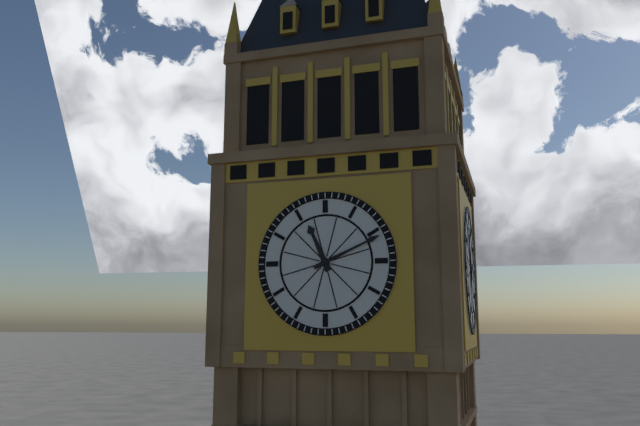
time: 11:11
